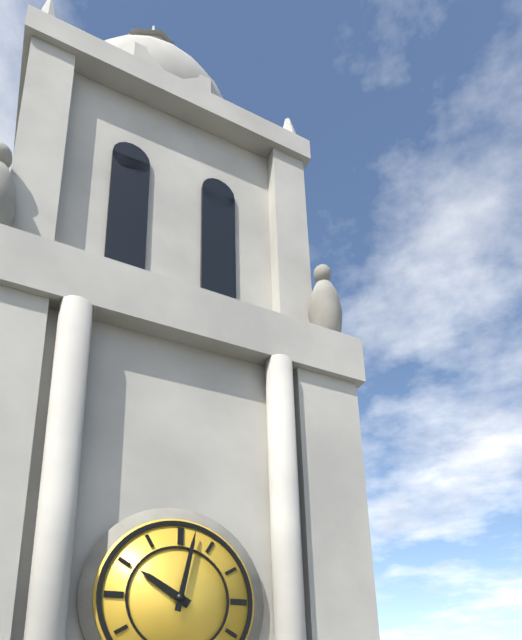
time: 10:02
